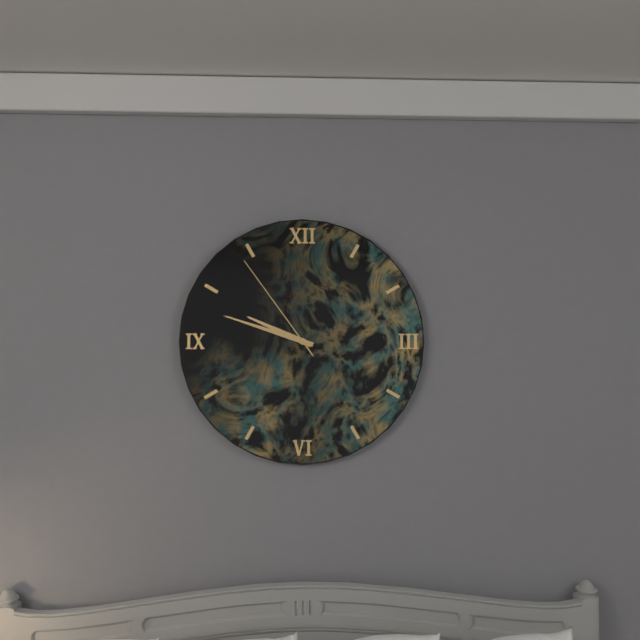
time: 9:48:54
